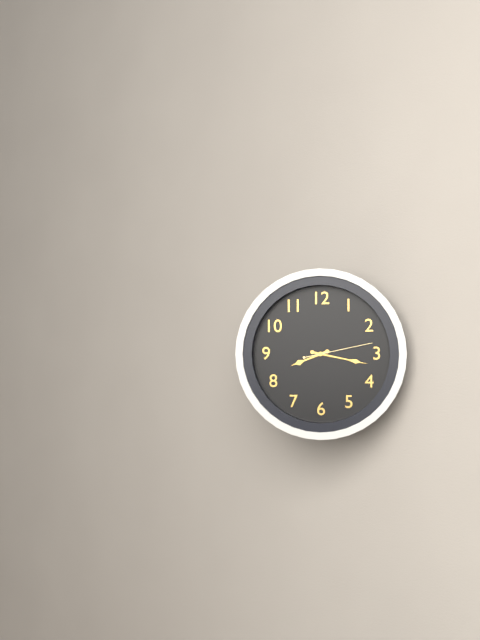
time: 8:17:13
